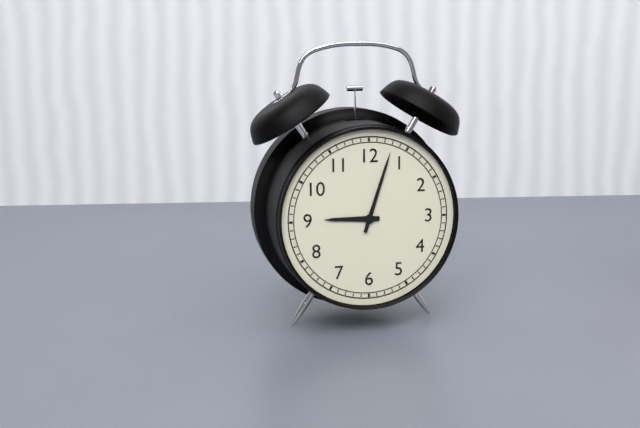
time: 9:03
